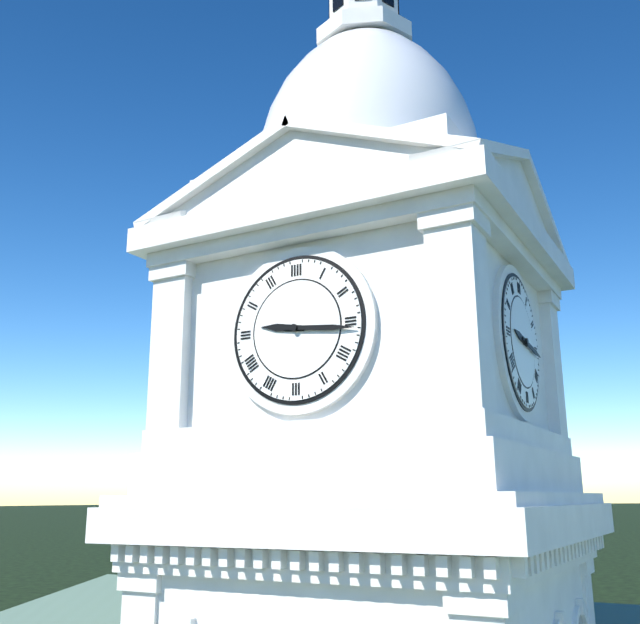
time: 9:16
